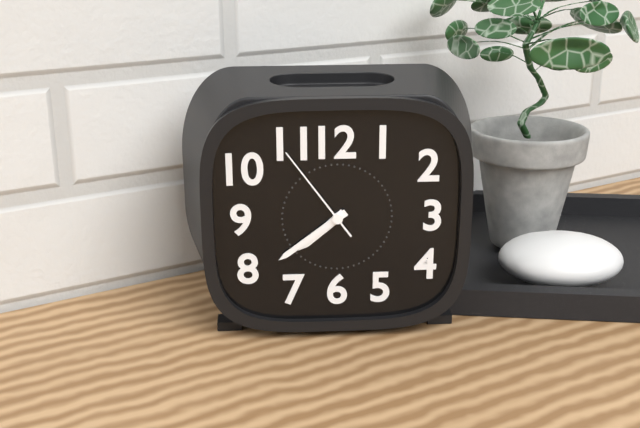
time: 7:39:54
